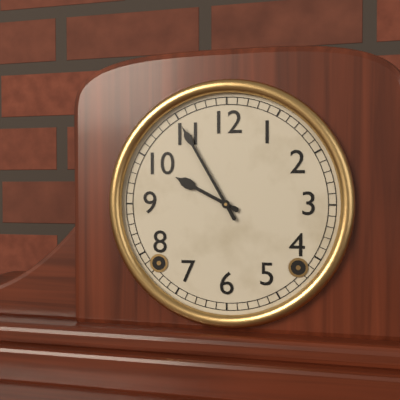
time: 9:55
